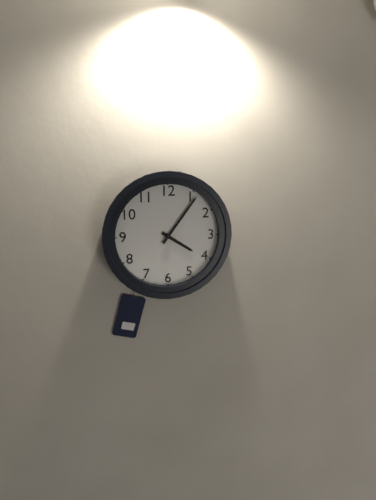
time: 4:06
